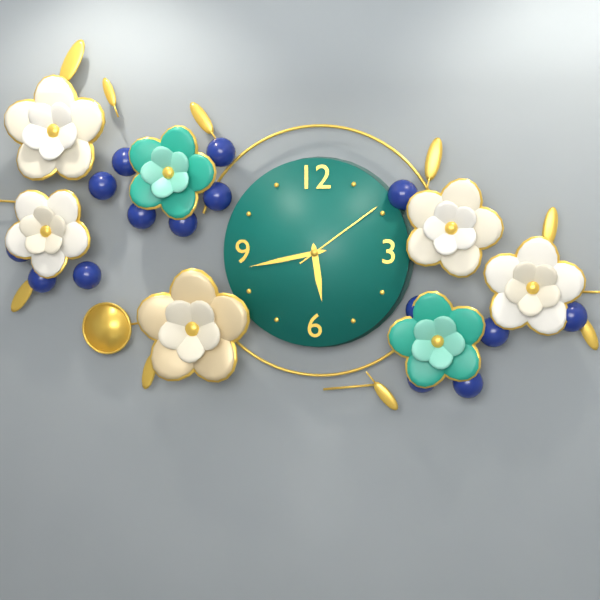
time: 5:43:09
